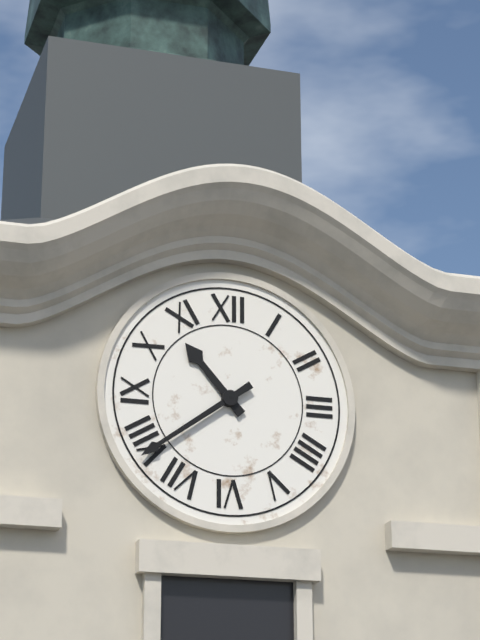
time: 10:39
